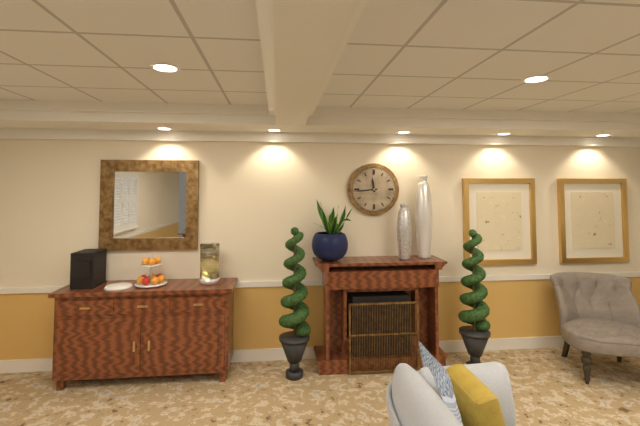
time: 11:44
